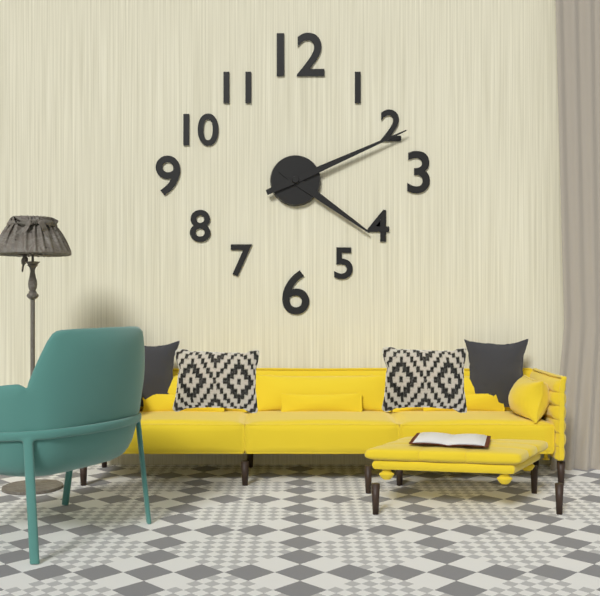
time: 4:11
